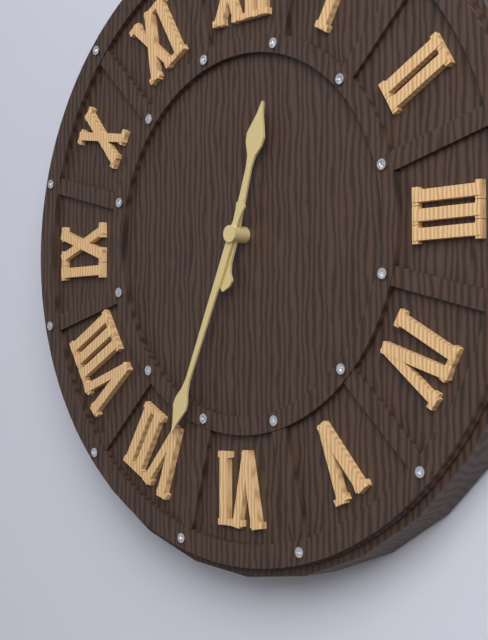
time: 12:34
